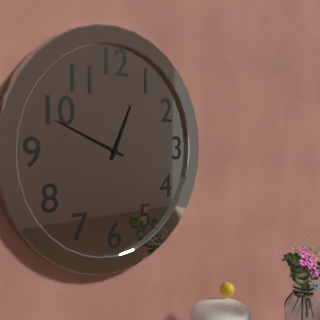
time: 12:49
